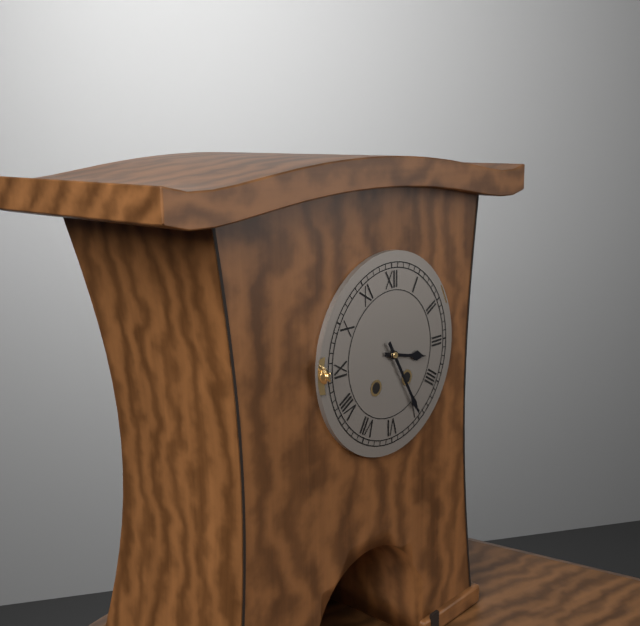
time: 3:25
